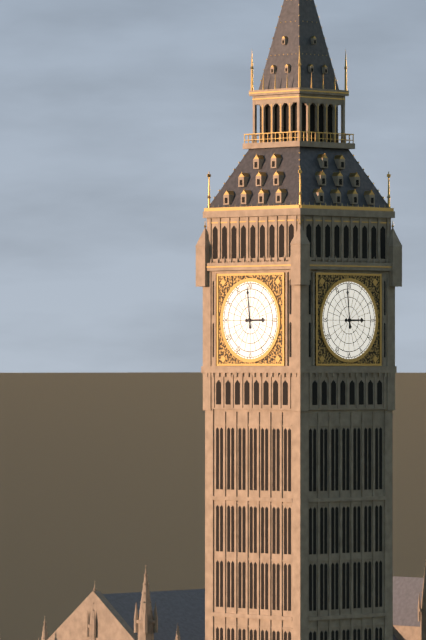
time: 2:59
